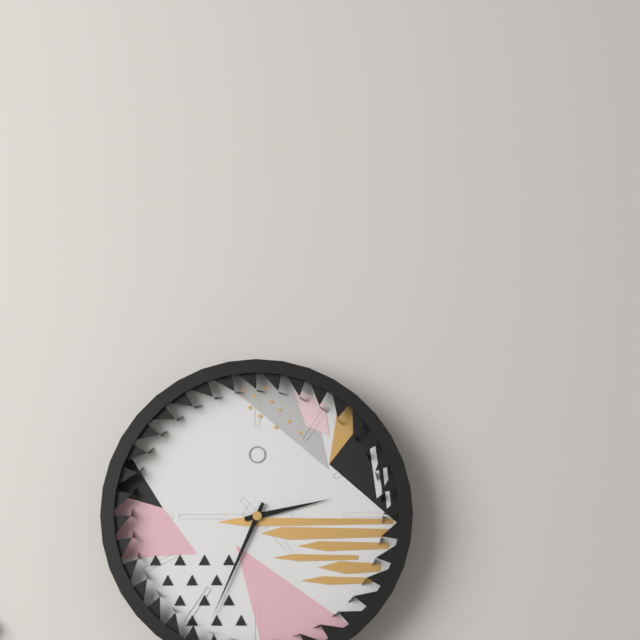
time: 2:34
